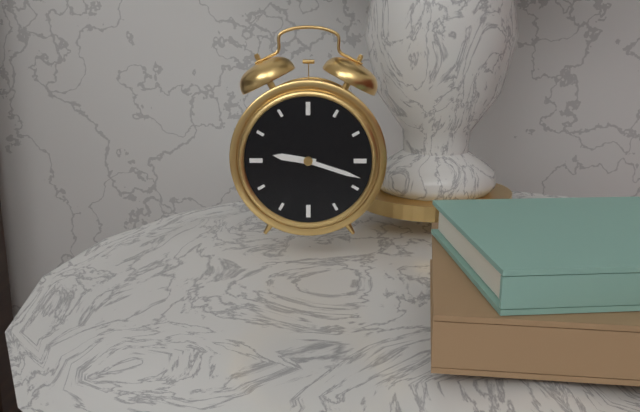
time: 9:18
